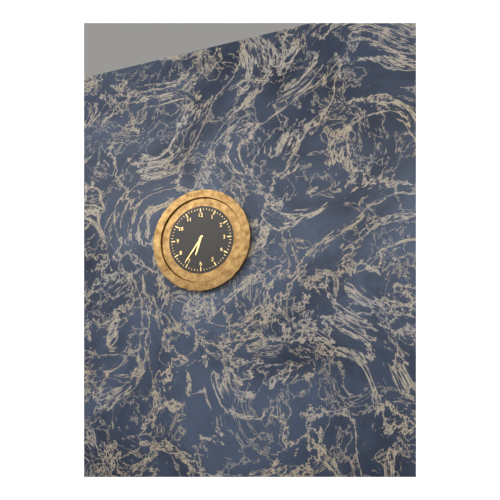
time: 6:36
